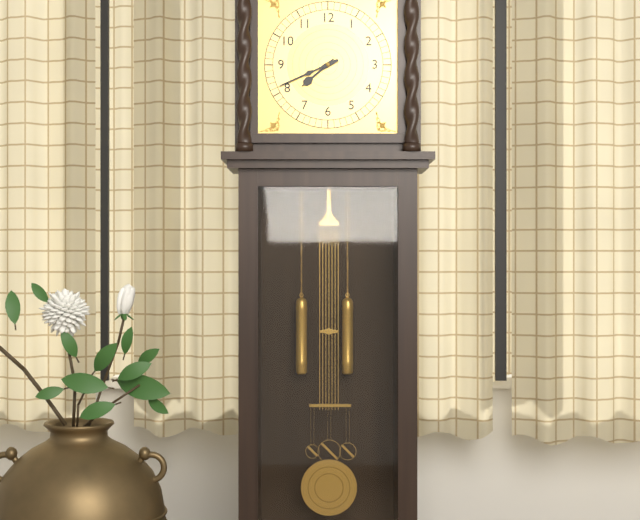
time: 7:41
